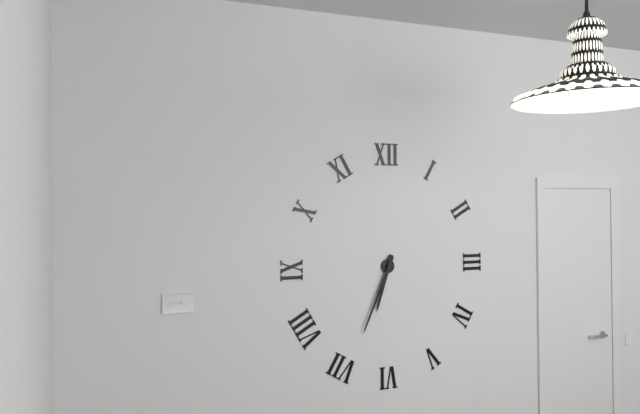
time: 6:34
